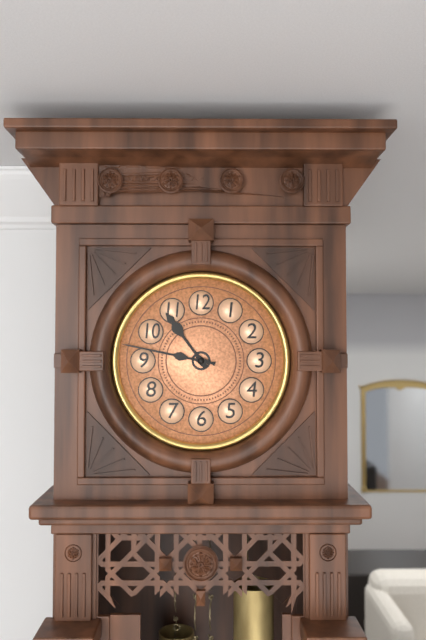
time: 10:47
